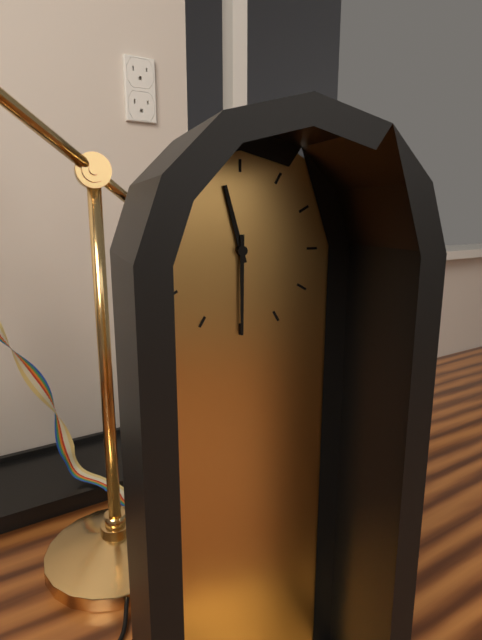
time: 11:30
